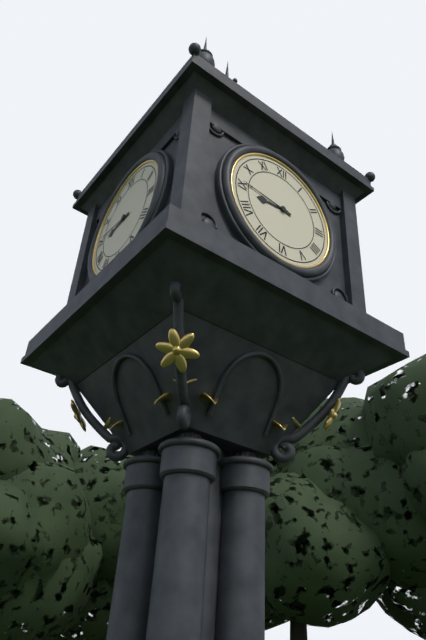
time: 8:46
